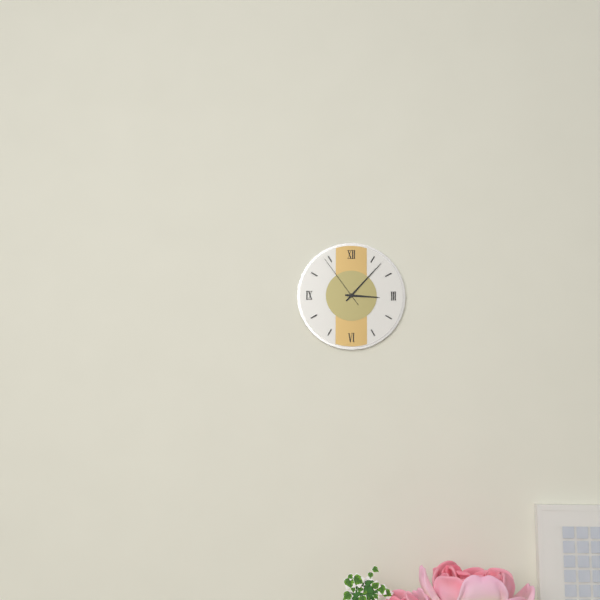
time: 3:07:54
